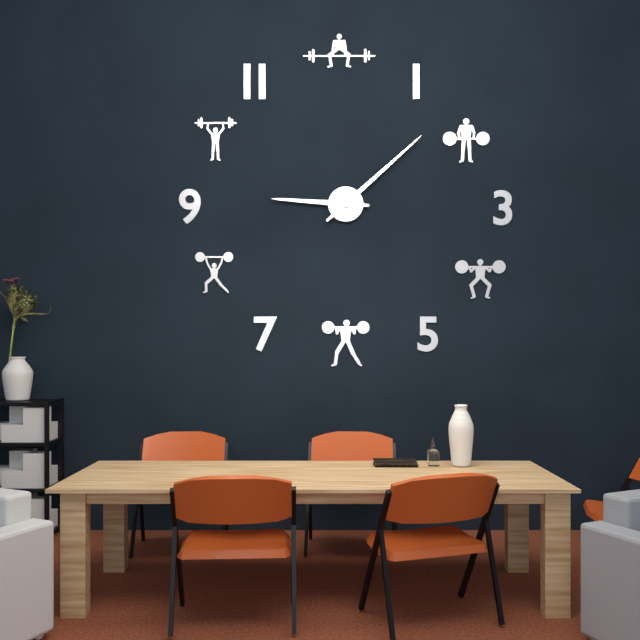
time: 9:08
